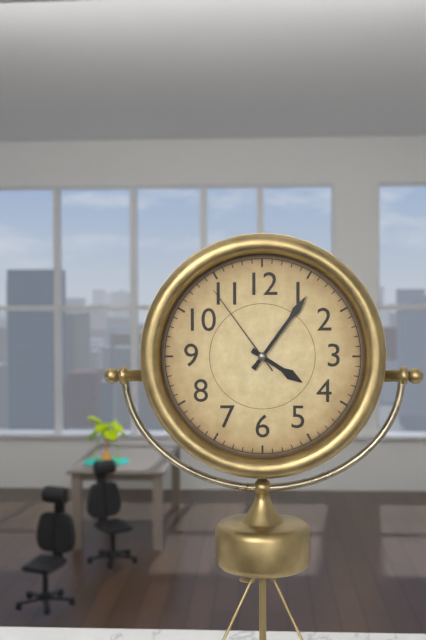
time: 4:06:54
